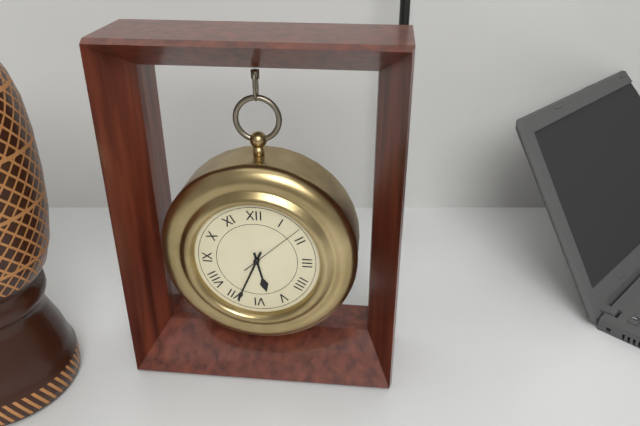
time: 5:34:08
